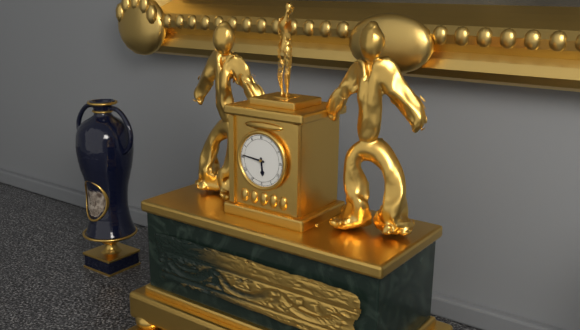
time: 5:46
